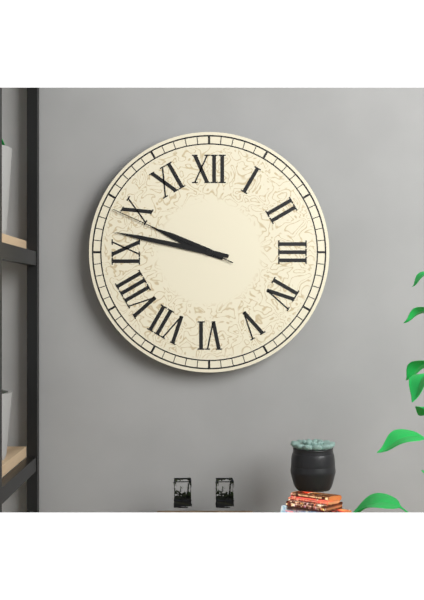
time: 9:47:49
